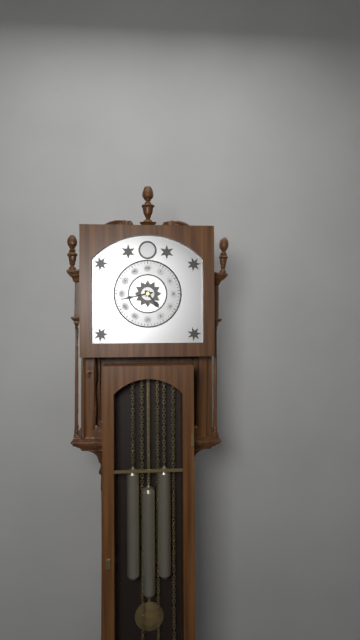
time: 4:43
